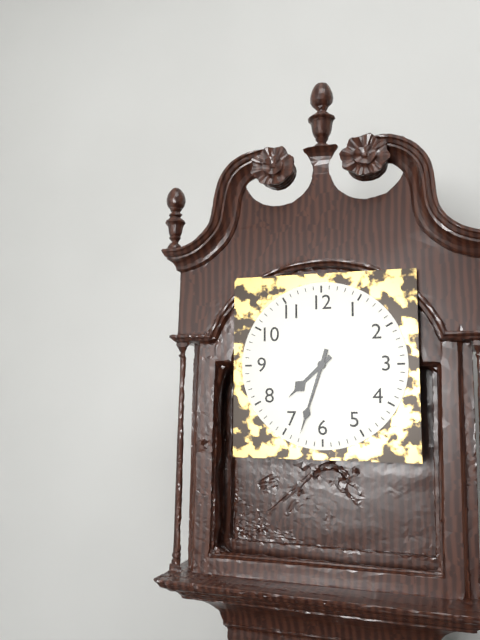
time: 7:33
